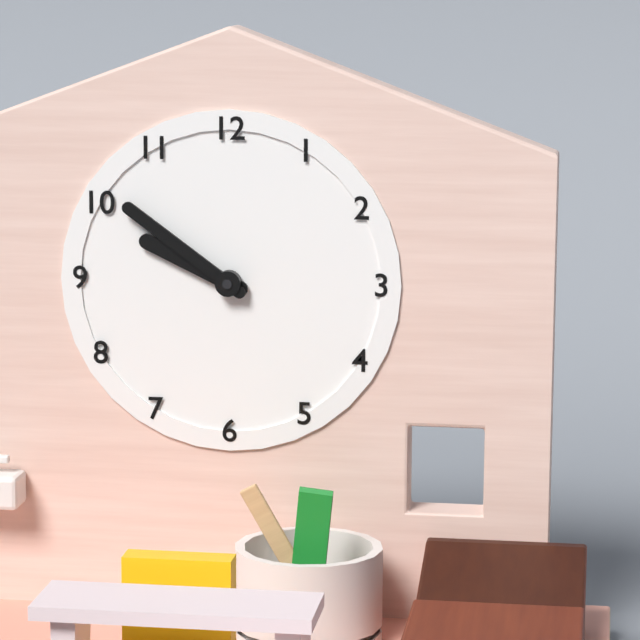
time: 9:51
